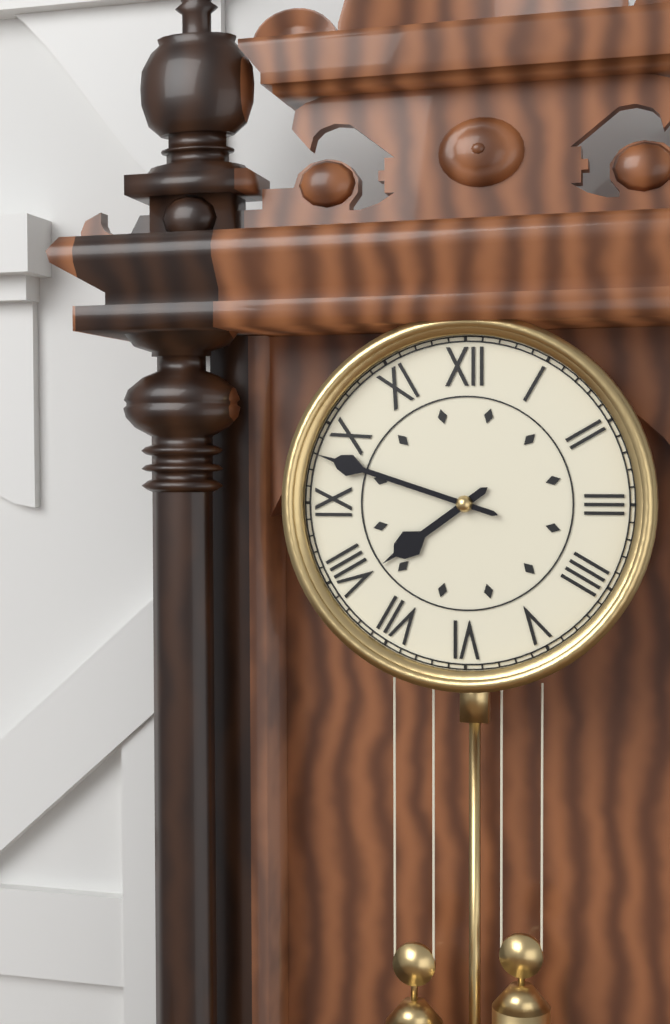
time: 7:48
